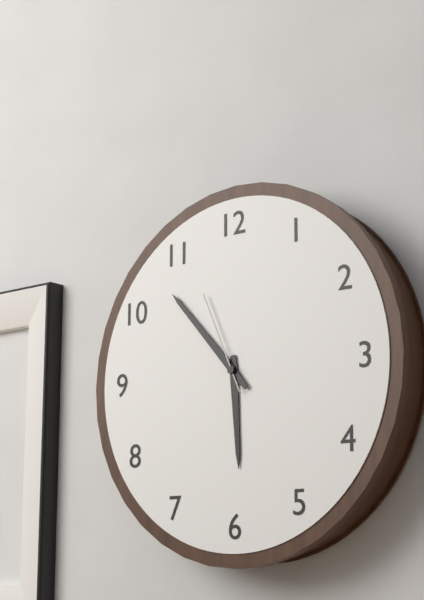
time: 5:53:56
